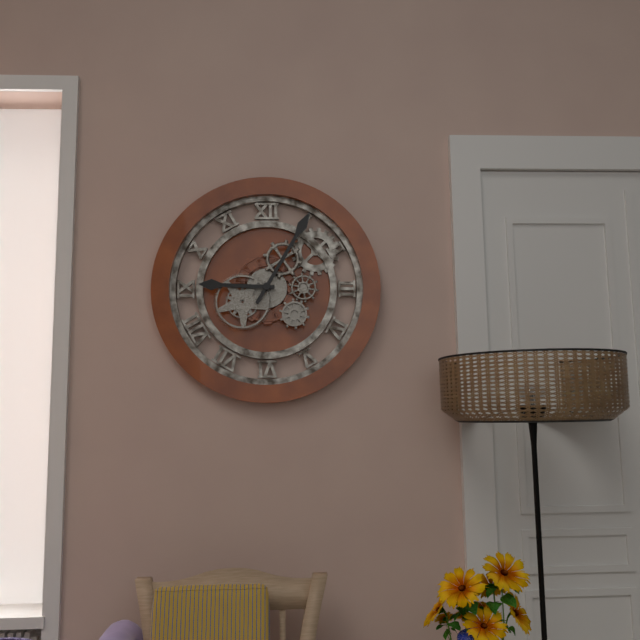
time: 9:05
